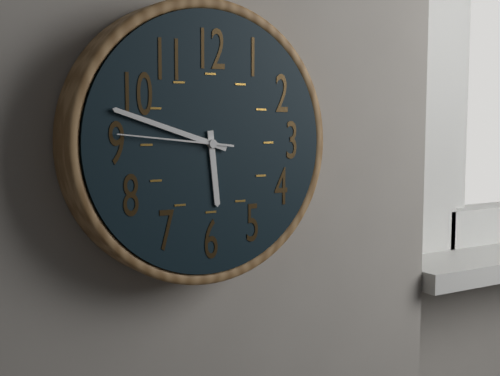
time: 5:48:46
